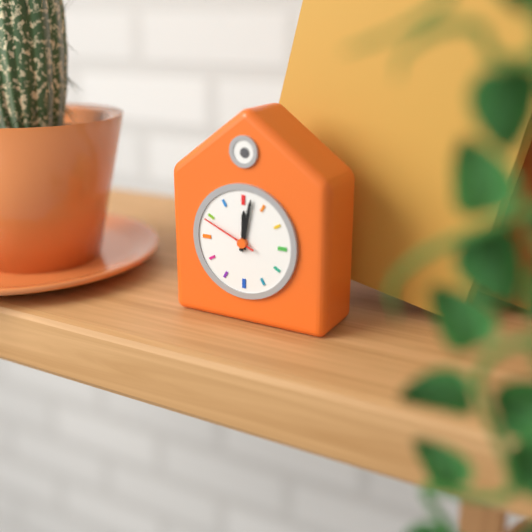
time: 12:02:49
